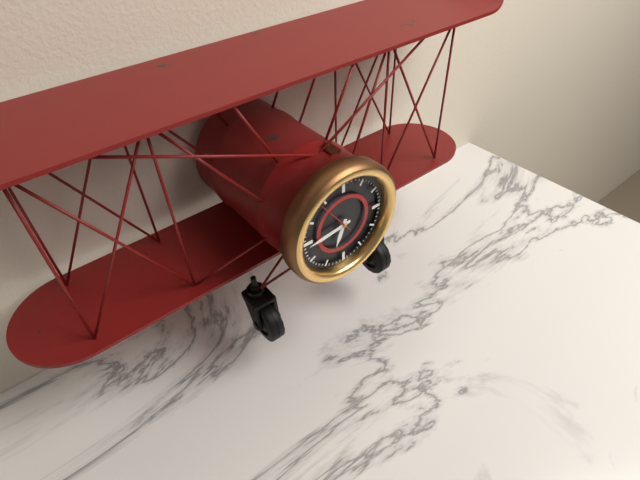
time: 6:44
